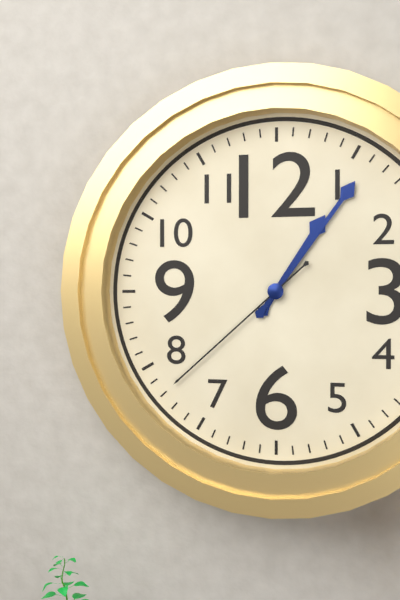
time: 1:06:38
